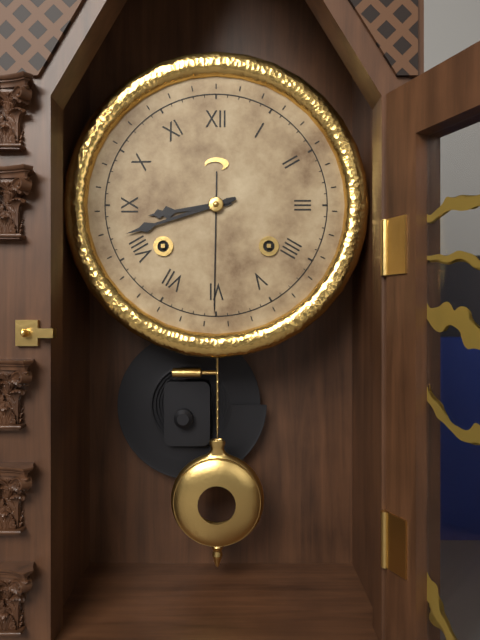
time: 8:42
